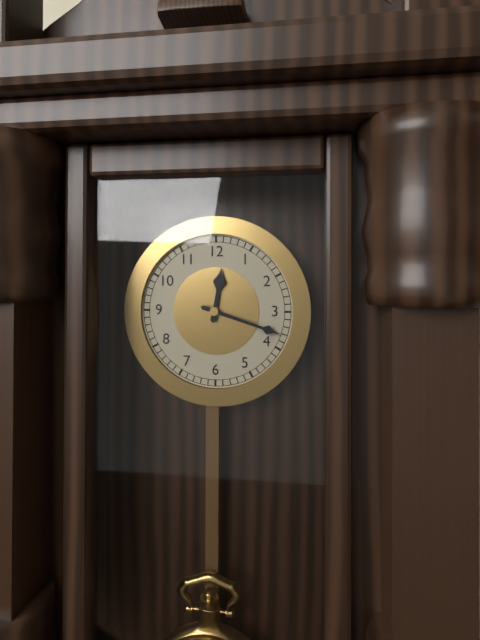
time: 12:18
